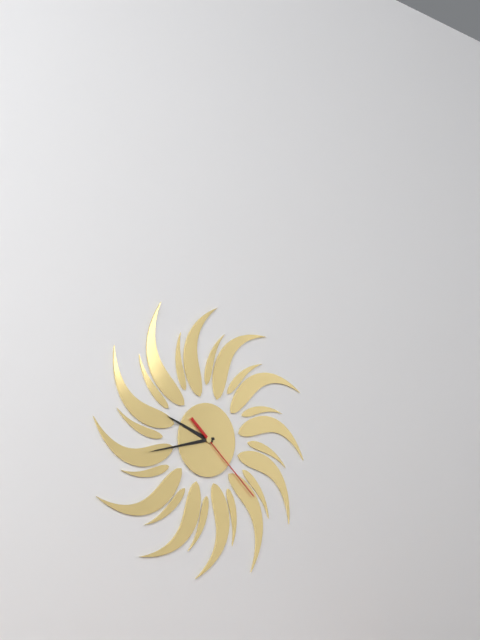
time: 9:43:22
